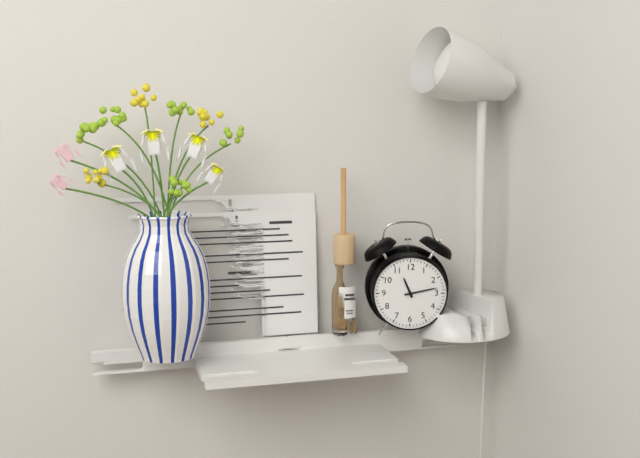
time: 11:13
